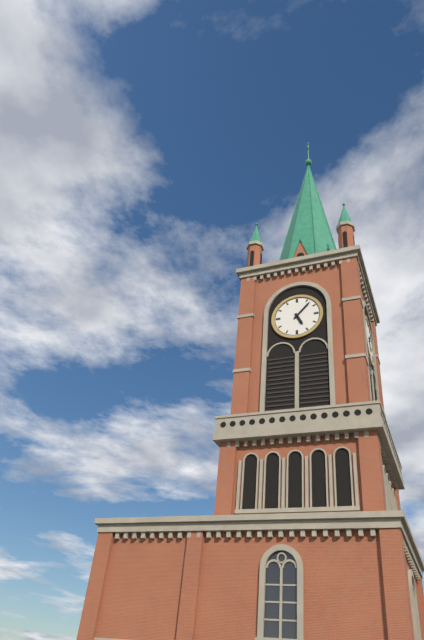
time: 5:07
